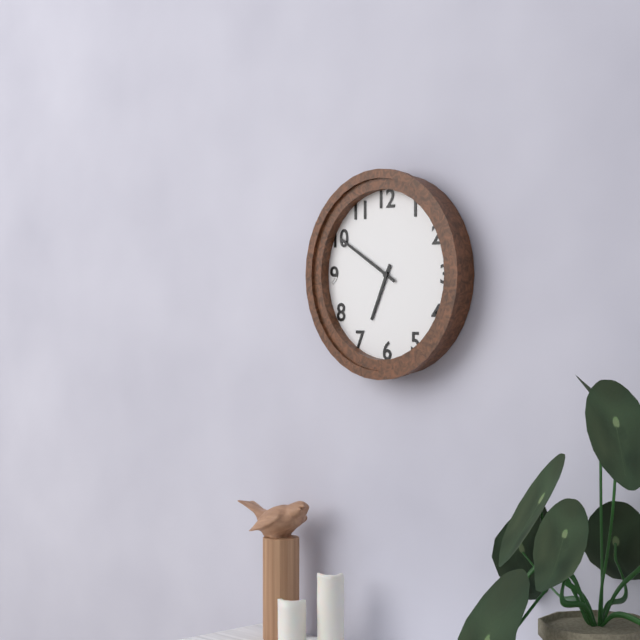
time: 6:50
